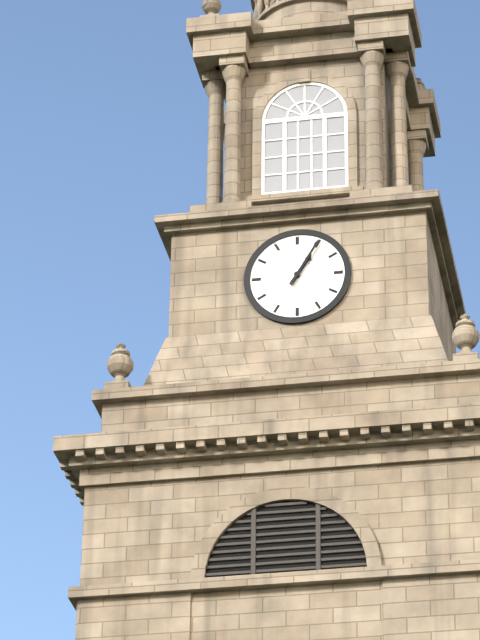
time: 1:05
